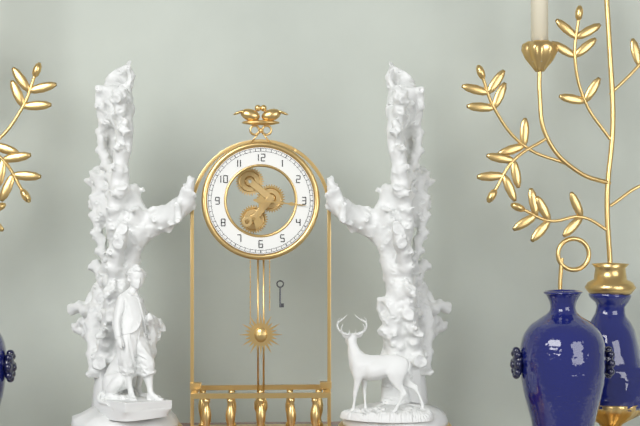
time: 6:16
